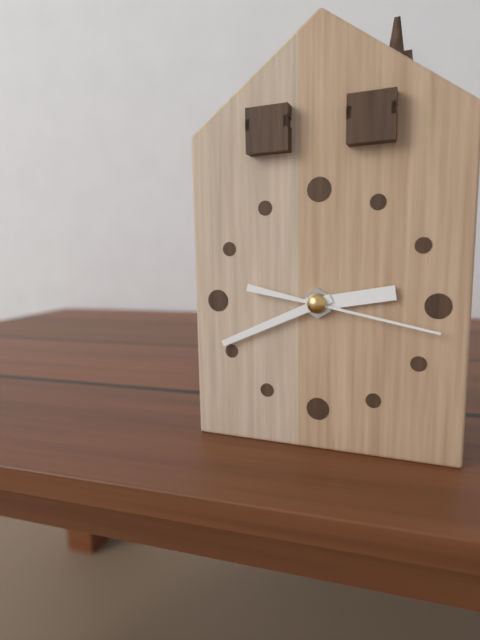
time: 2:41:17
